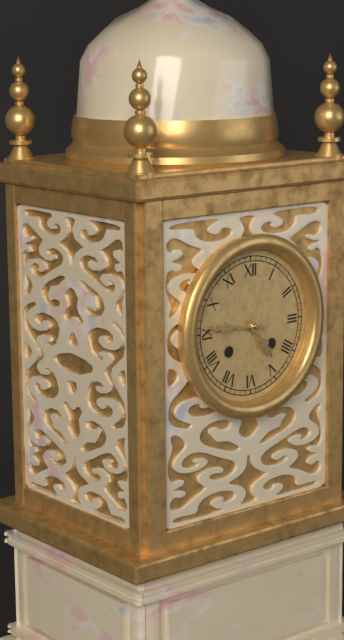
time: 4:46
